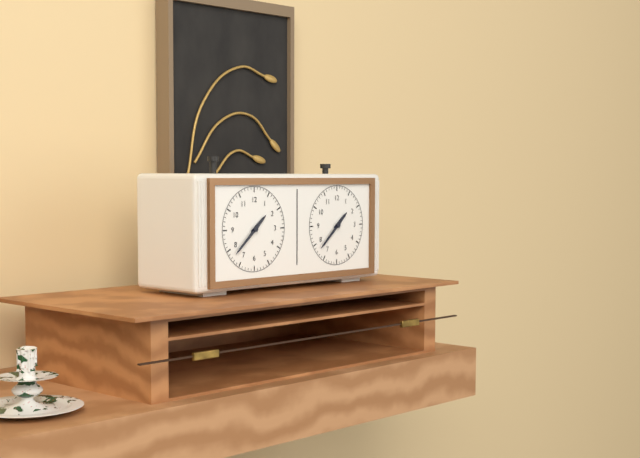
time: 1:38
